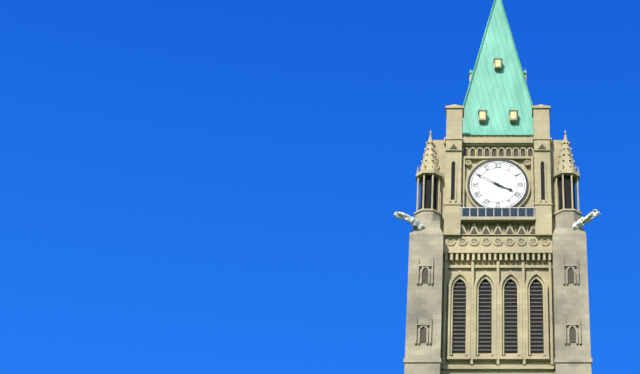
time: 3:50
